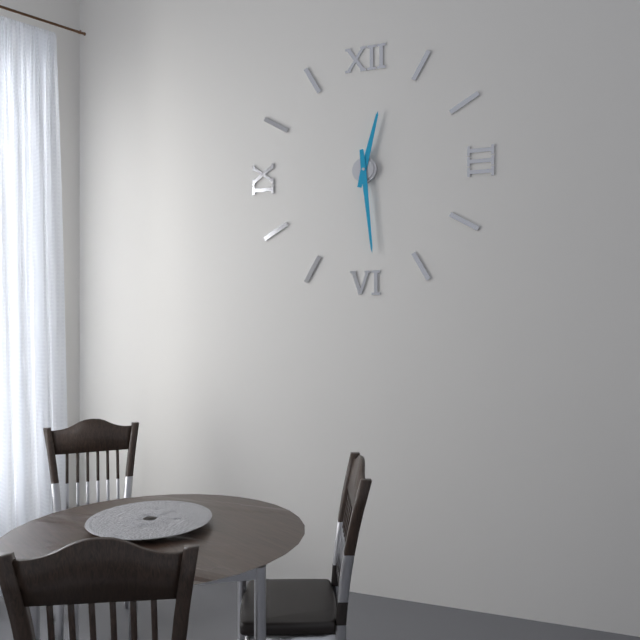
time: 12:29
